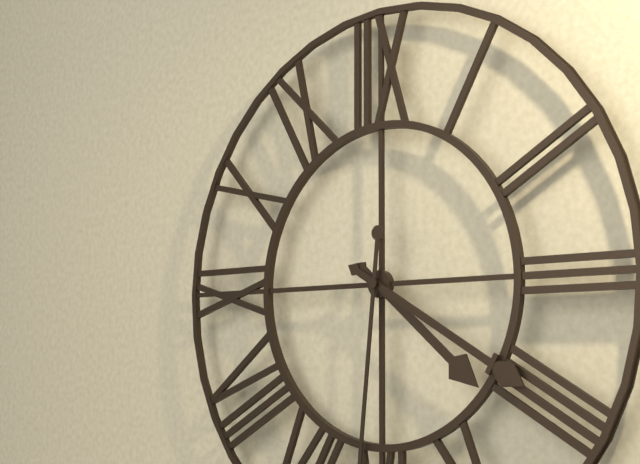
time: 4:20
